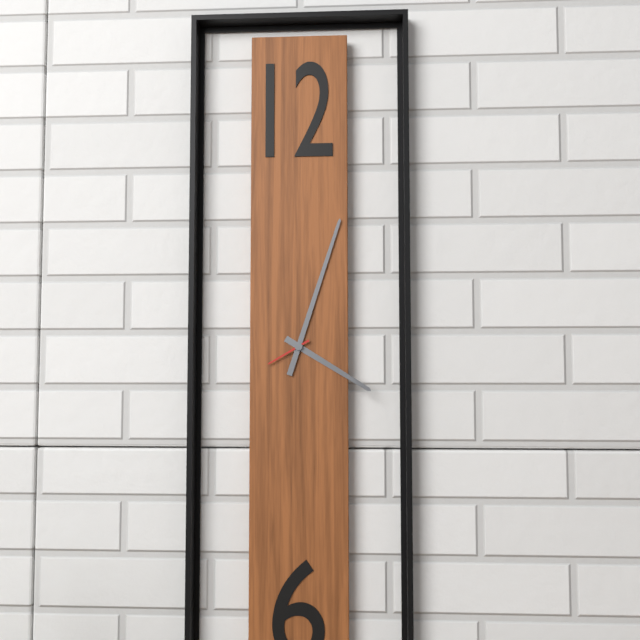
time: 4:03
